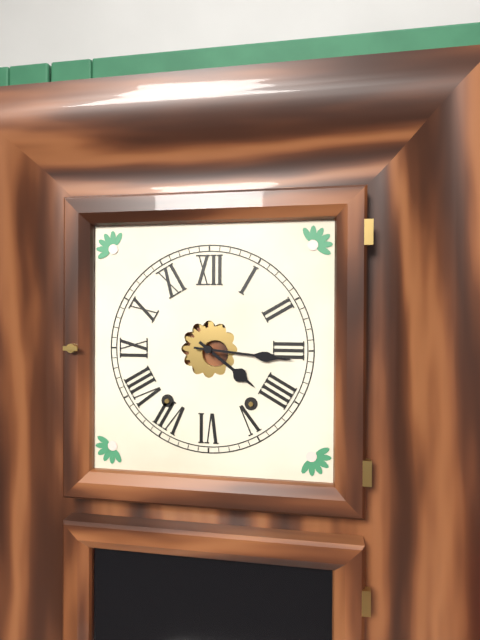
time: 4:16
